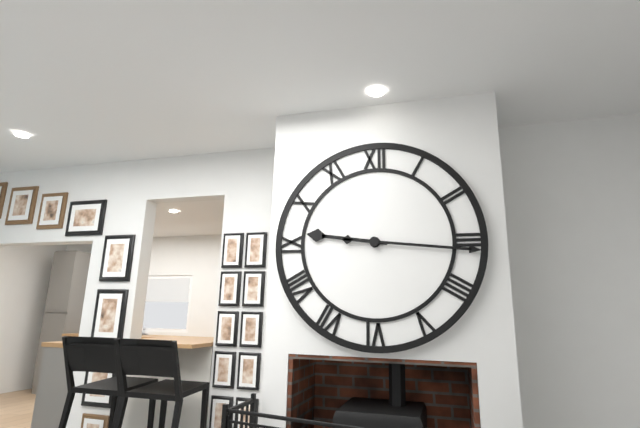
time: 9:16
